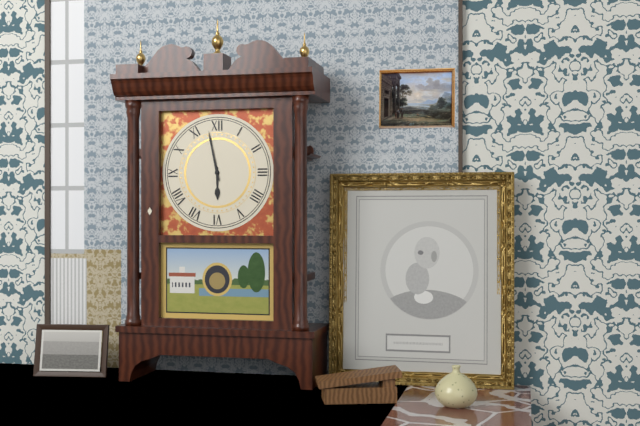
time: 5:58
